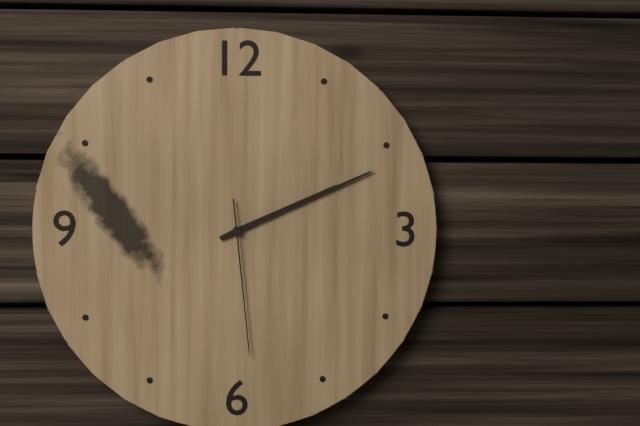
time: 2:11:29
